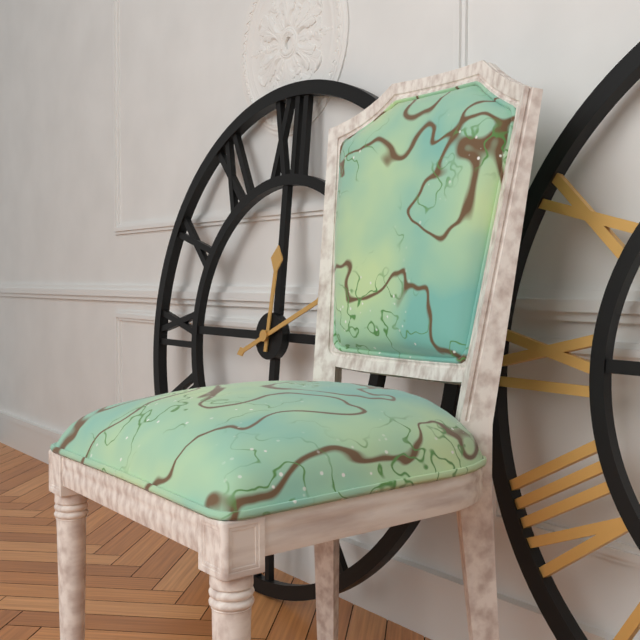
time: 12:11
